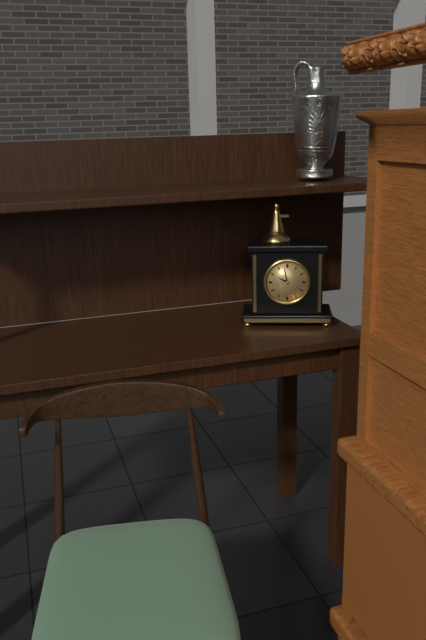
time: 9:58
